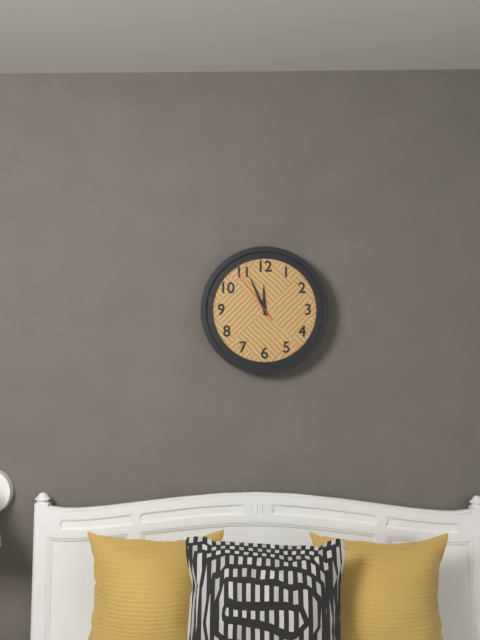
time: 11:56:54
